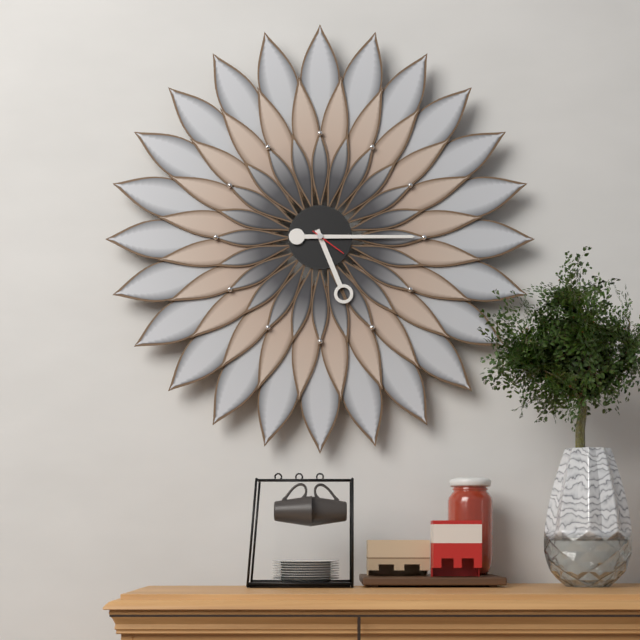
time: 5:15
